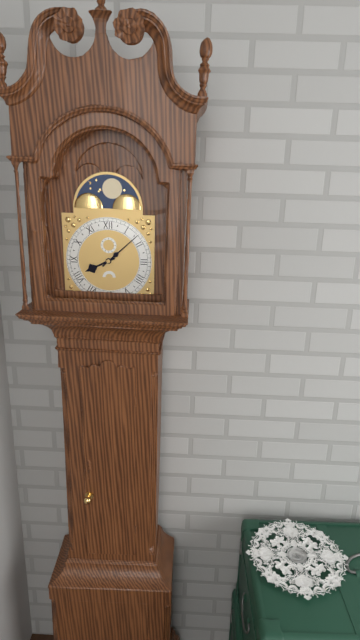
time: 8:08
